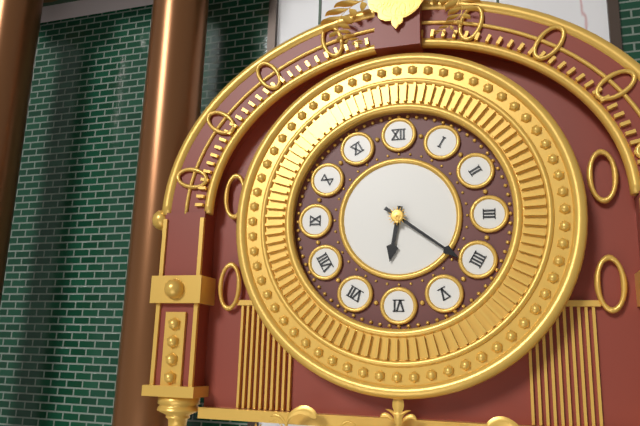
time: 6:21
